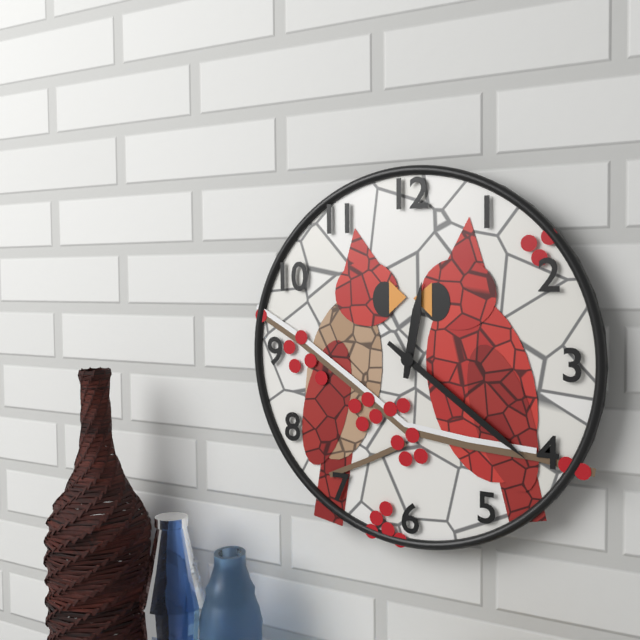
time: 12:21
